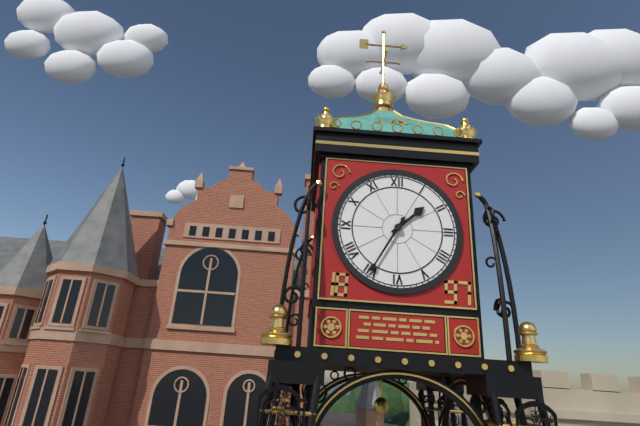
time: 1:35
